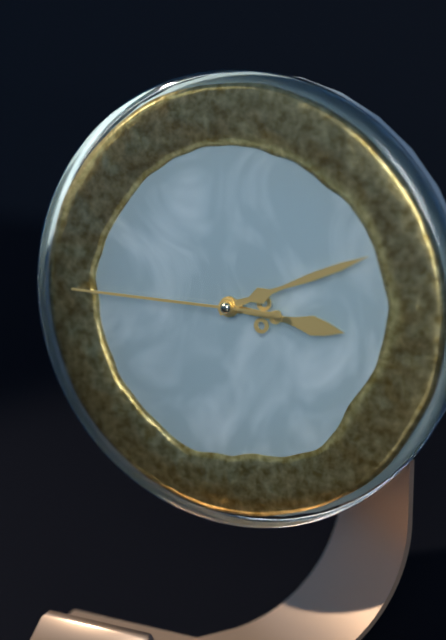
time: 3:11:45
